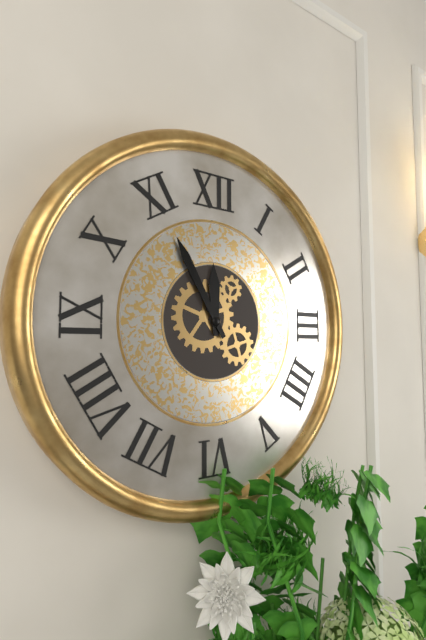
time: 11:55
